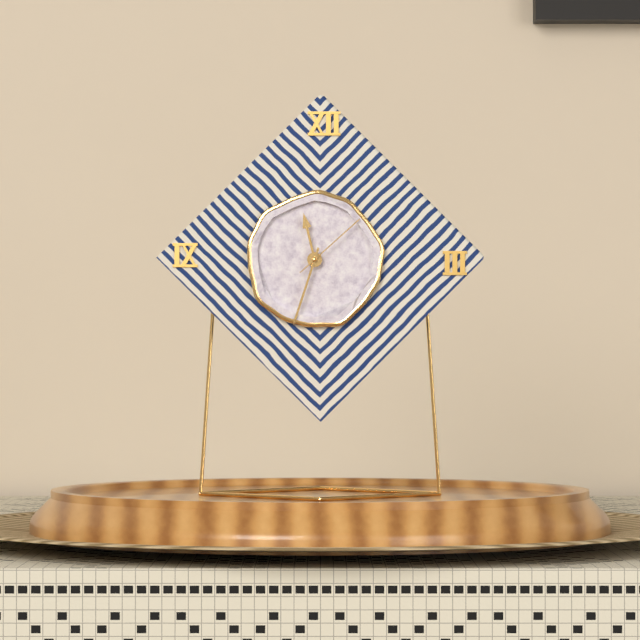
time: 11:33:08
